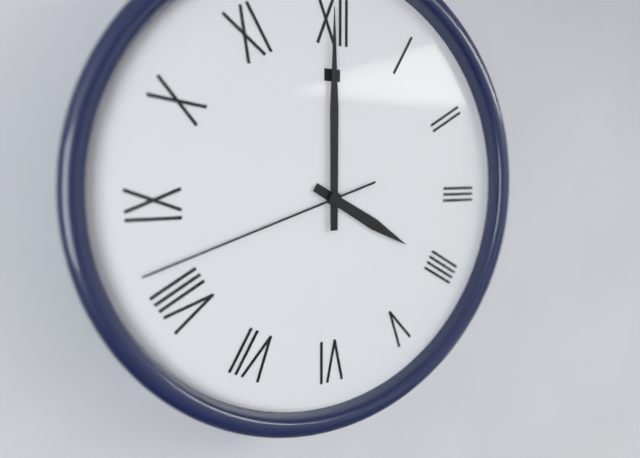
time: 4:00:42
